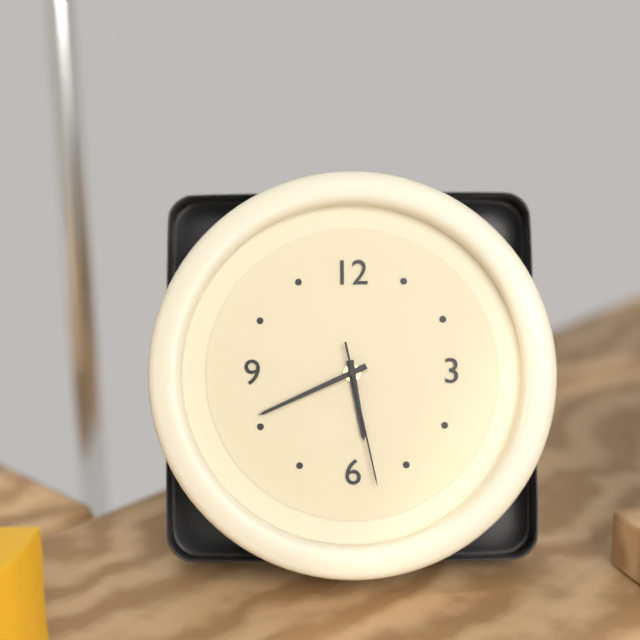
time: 5:41:28
